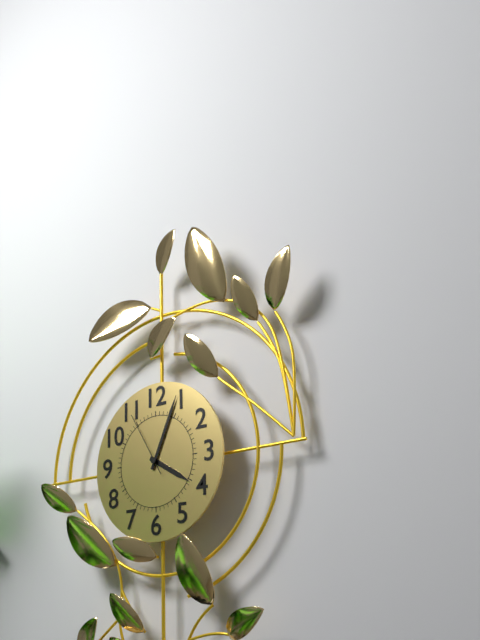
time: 4:04:55
